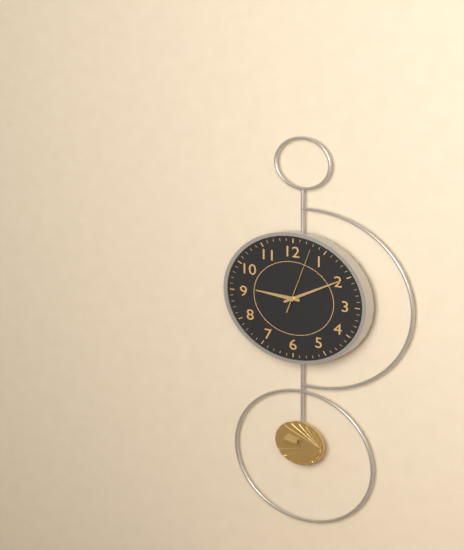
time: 9:10:03
